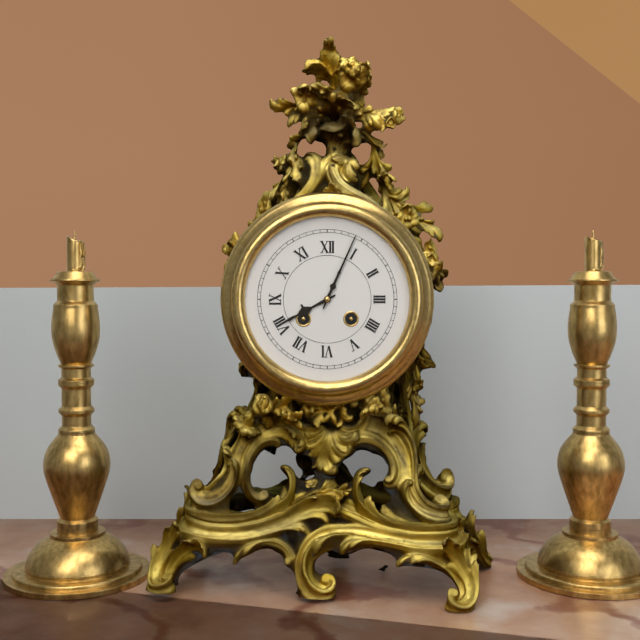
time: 8:04
